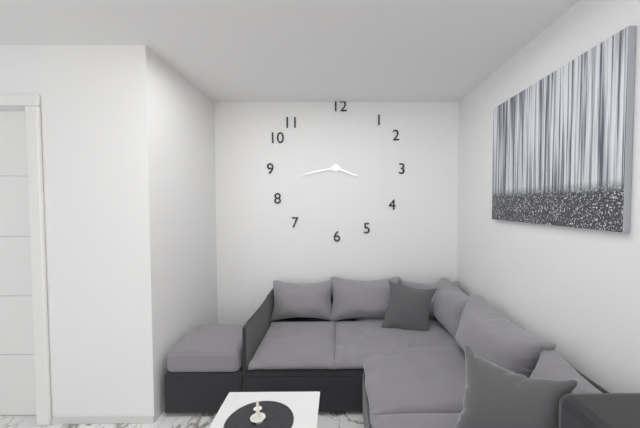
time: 3:43
